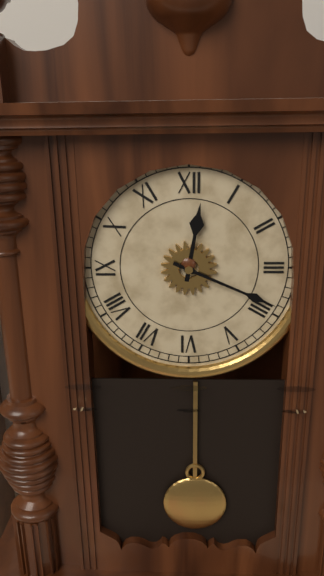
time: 12:19
